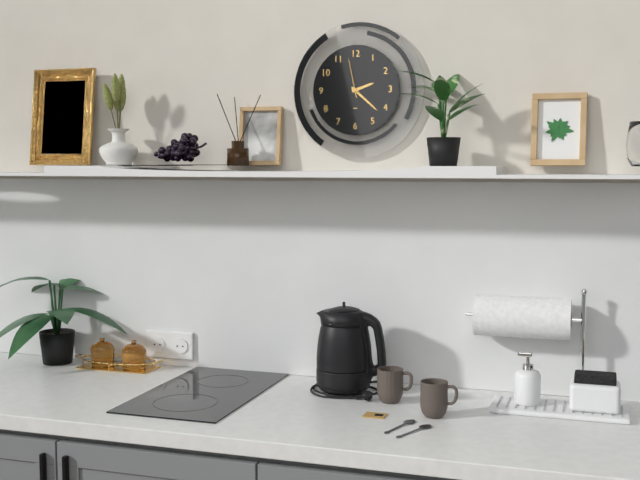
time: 2:22
